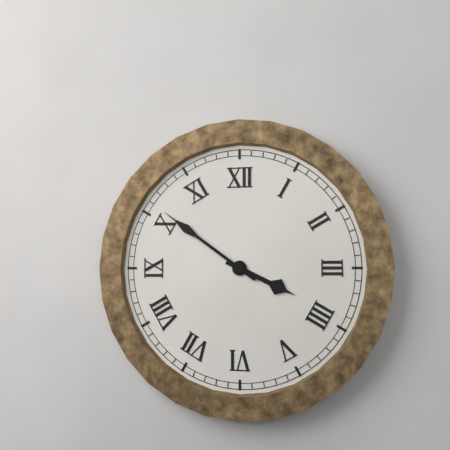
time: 3:51
